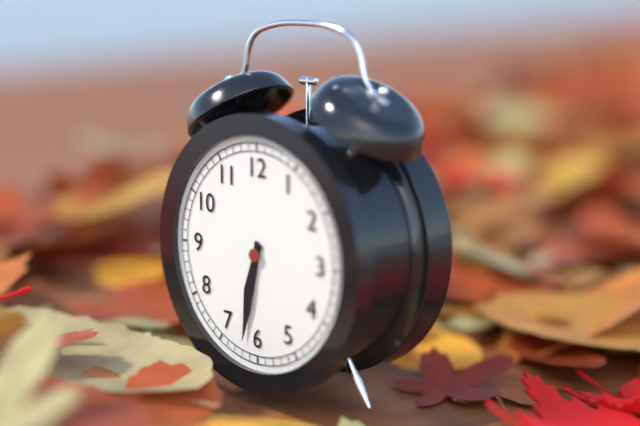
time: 6:32
